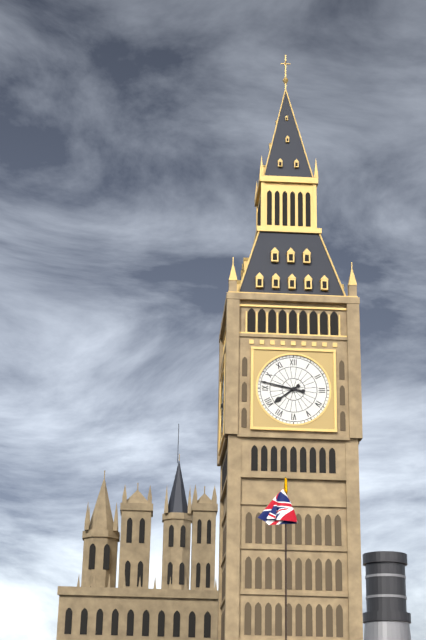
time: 7:47
